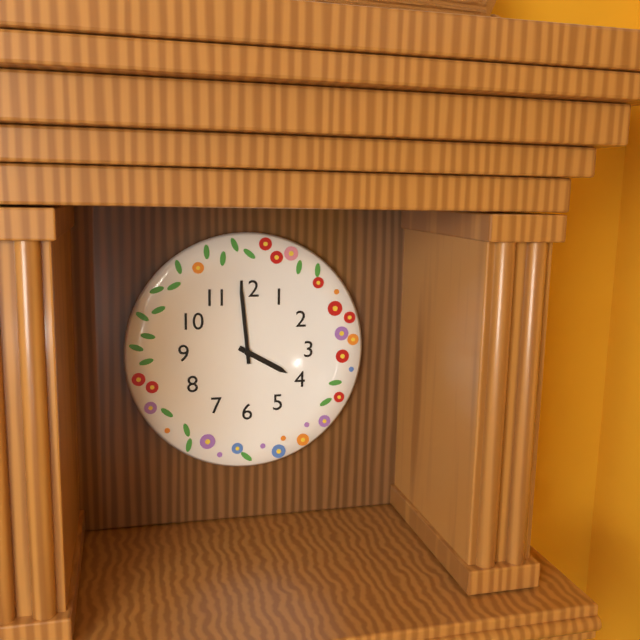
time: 3:59
